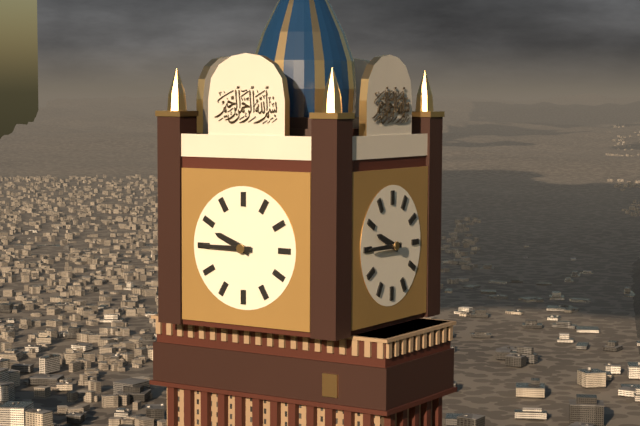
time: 9:45
